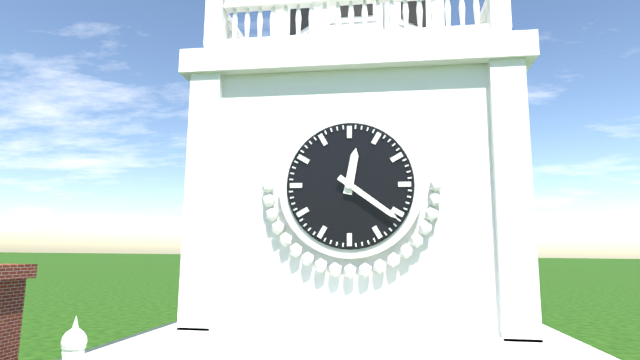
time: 12:21
